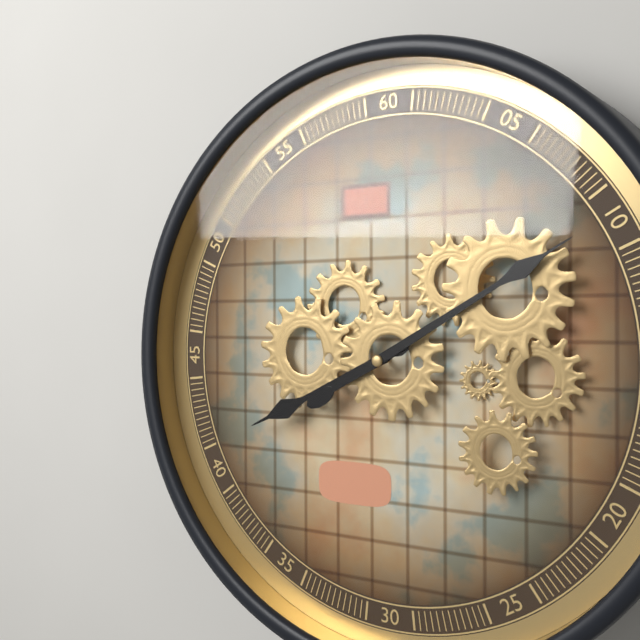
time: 8:10
